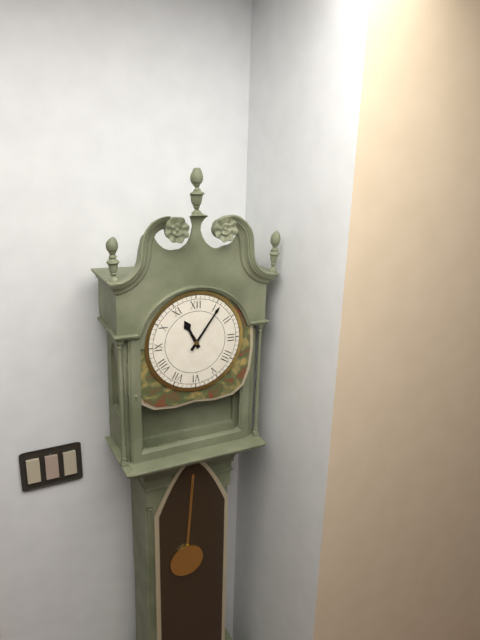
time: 11:06
